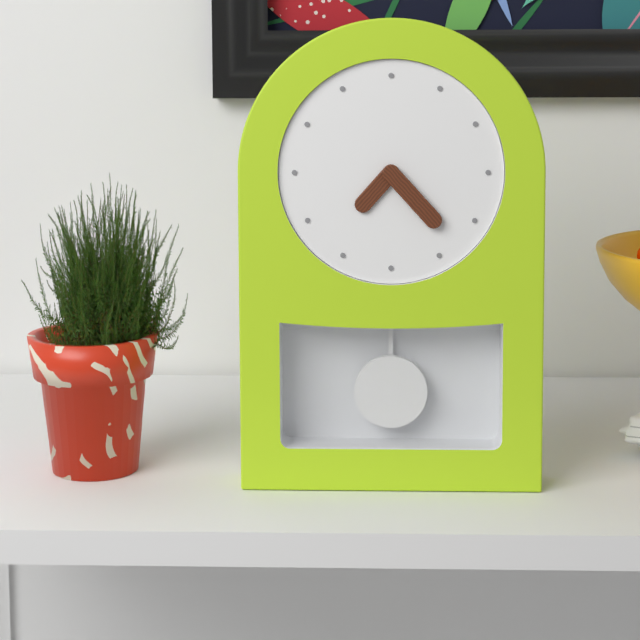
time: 7:23
